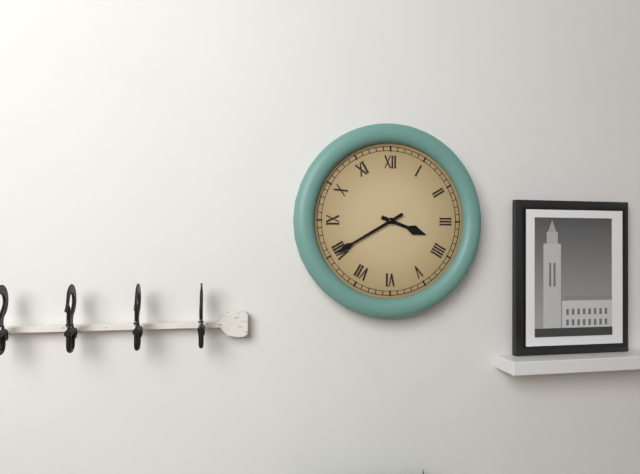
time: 3:40
